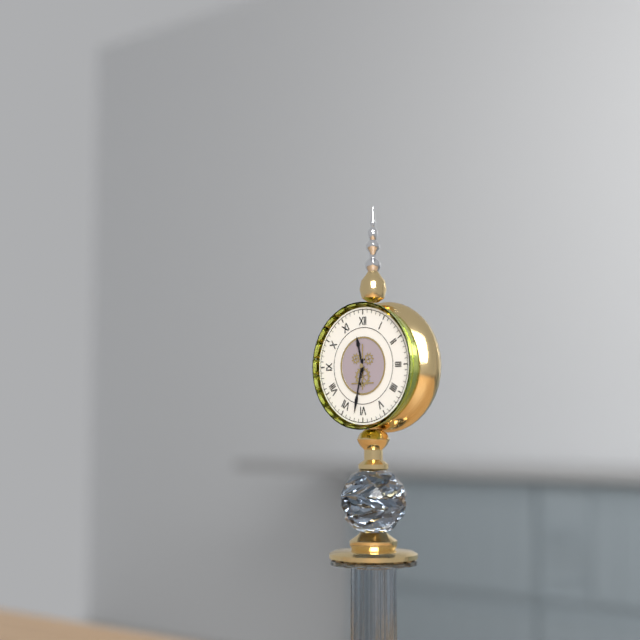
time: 11:32
